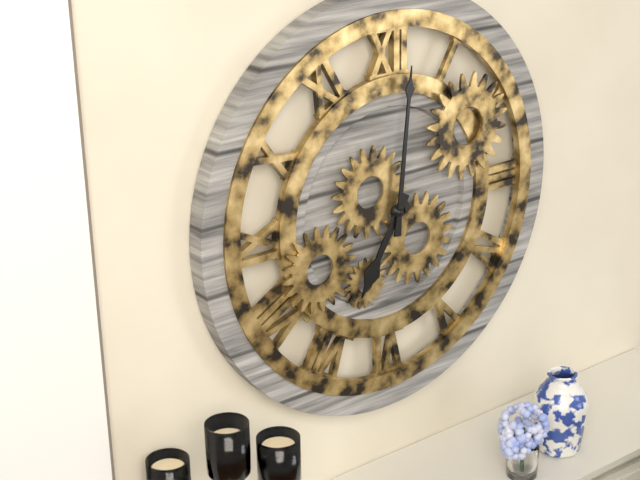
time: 7:01
